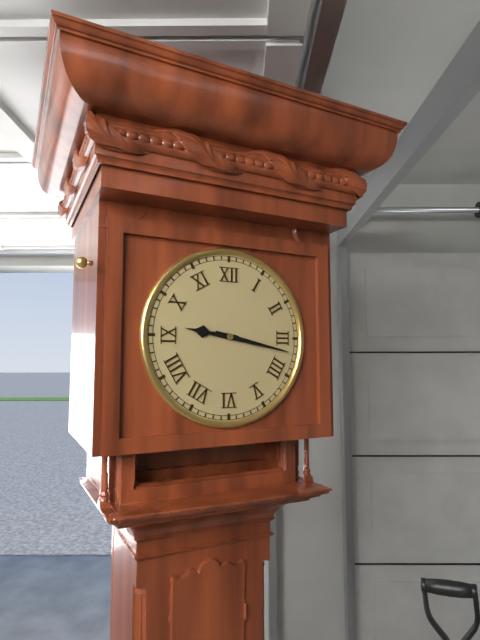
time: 9:17
